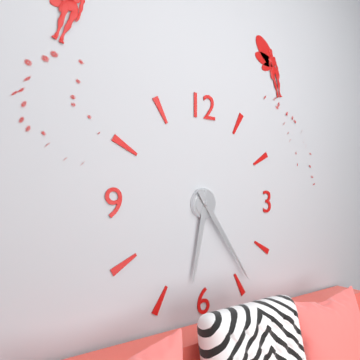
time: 6:24
